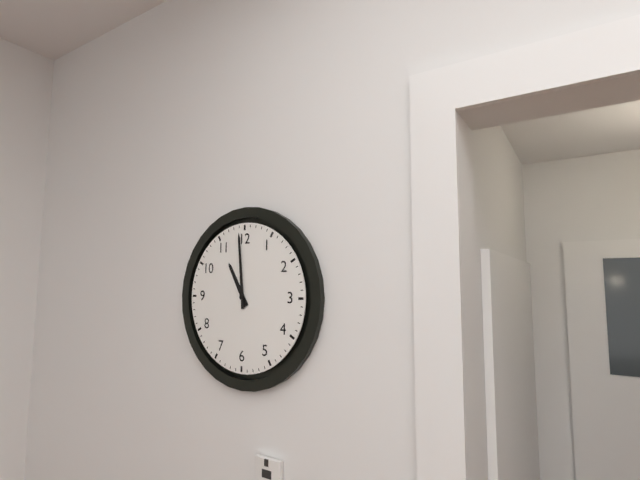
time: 10:59
